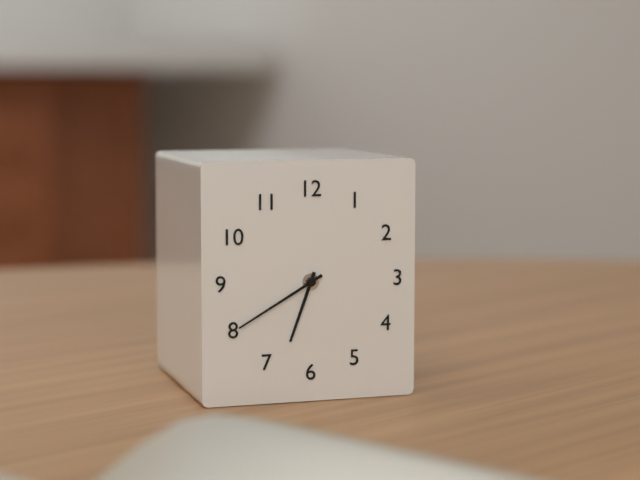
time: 6:40
